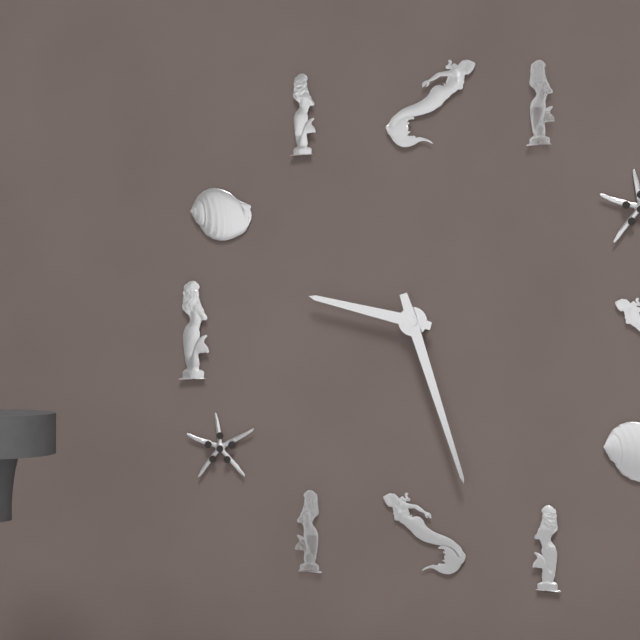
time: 9:27
